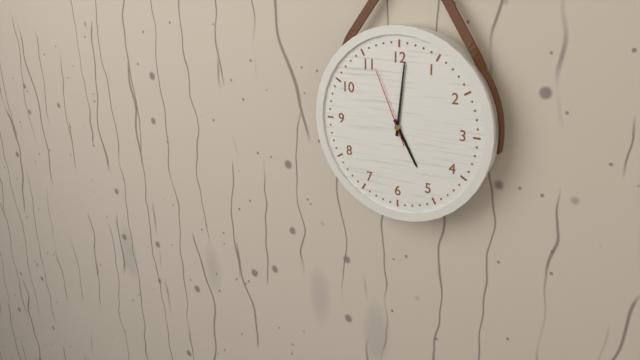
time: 5:01:56
